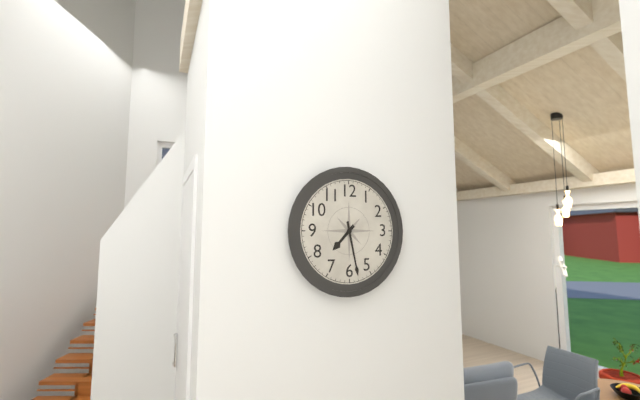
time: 7:28
